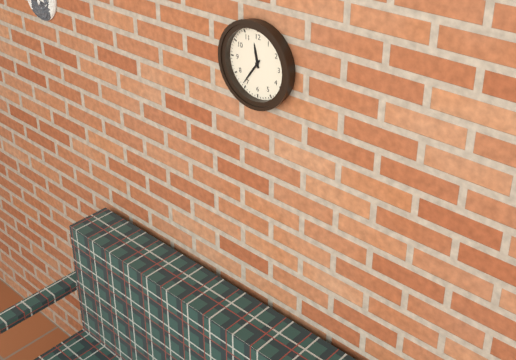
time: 11:36
